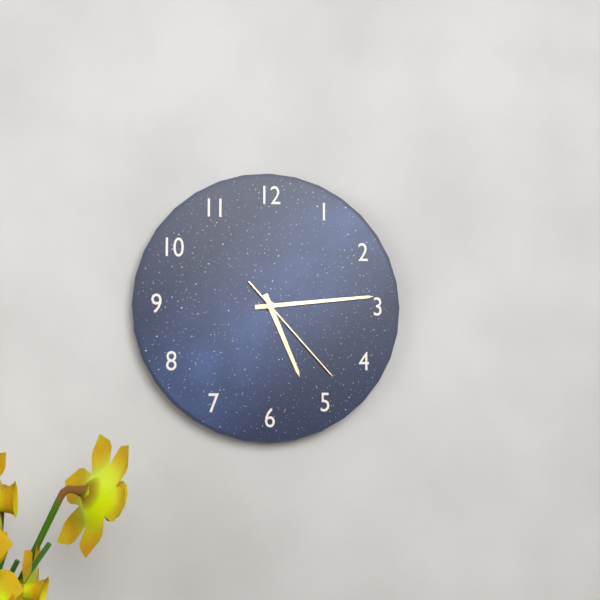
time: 5:14:23
